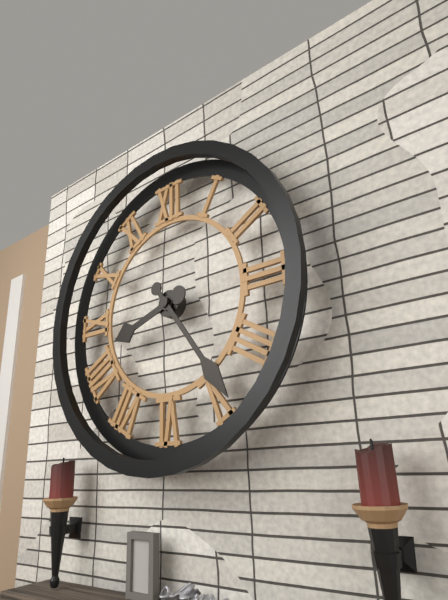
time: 8:24
